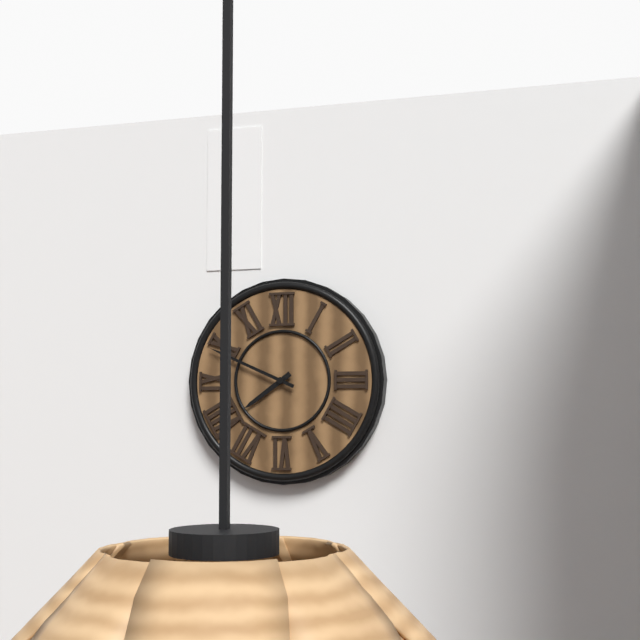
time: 7:49
